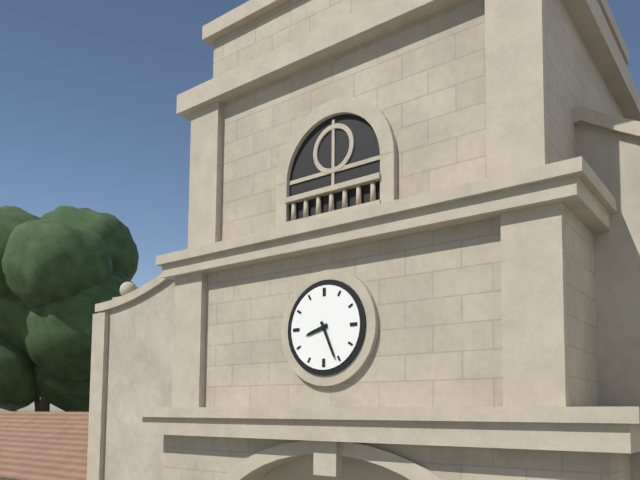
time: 8:26
